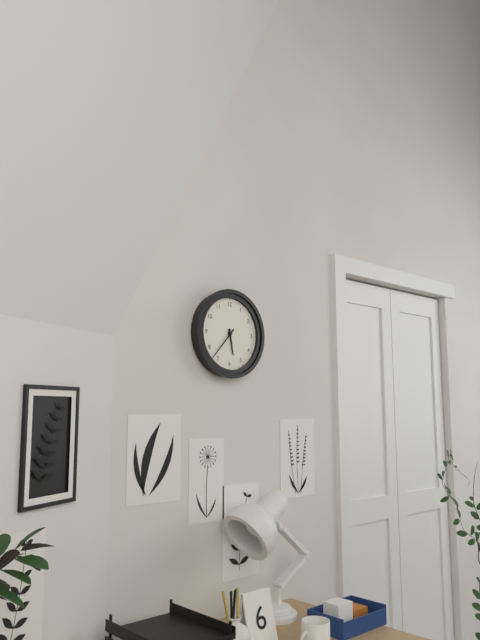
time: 5:37
